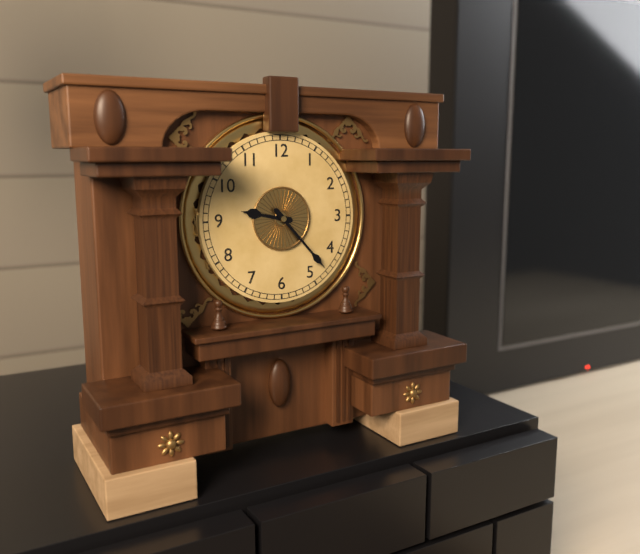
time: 9:23
